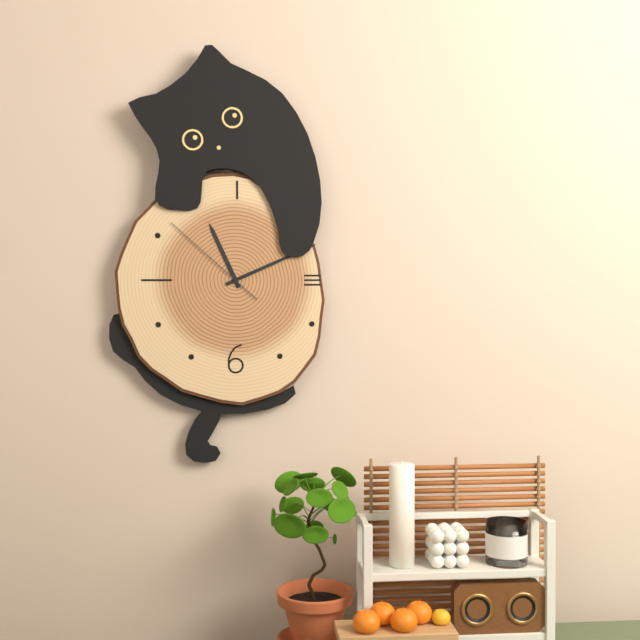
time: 11:11:52
